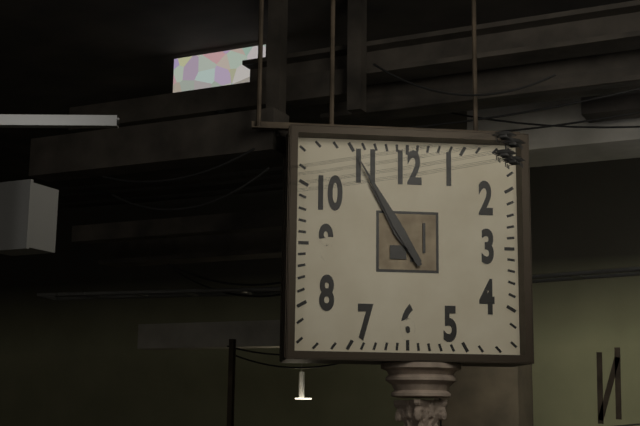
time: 10:55
